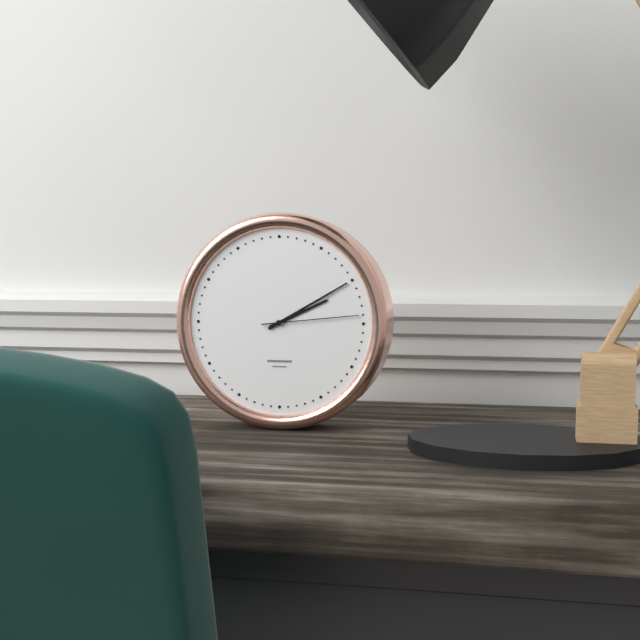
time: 2:10:14
